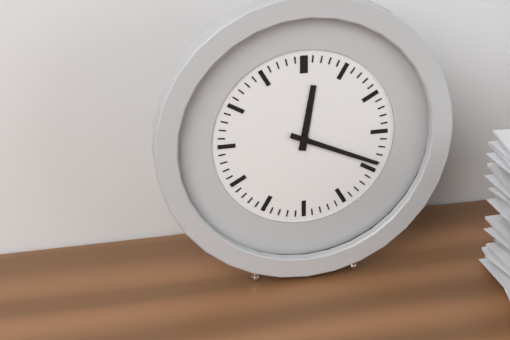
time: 12:19
